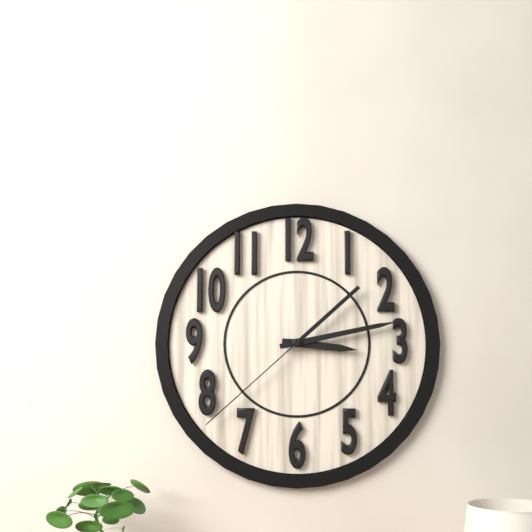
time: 3:13:38
